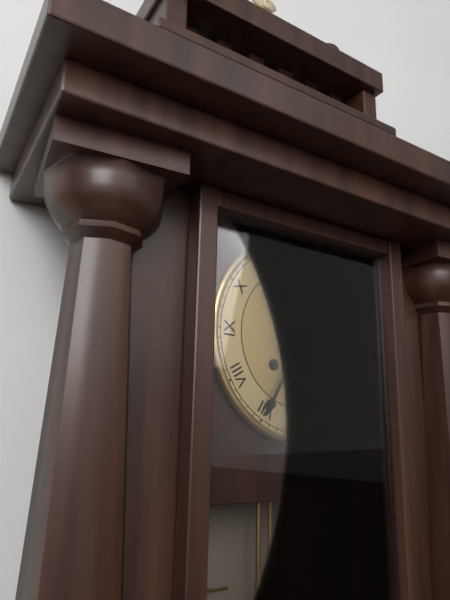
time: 1:35
